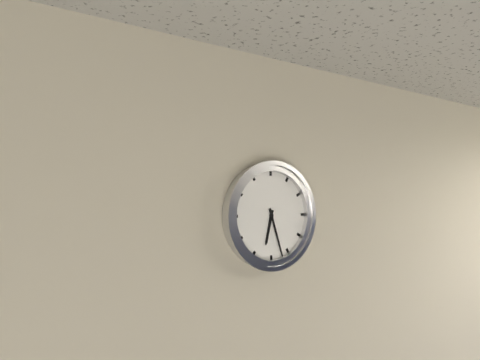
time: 6:27
